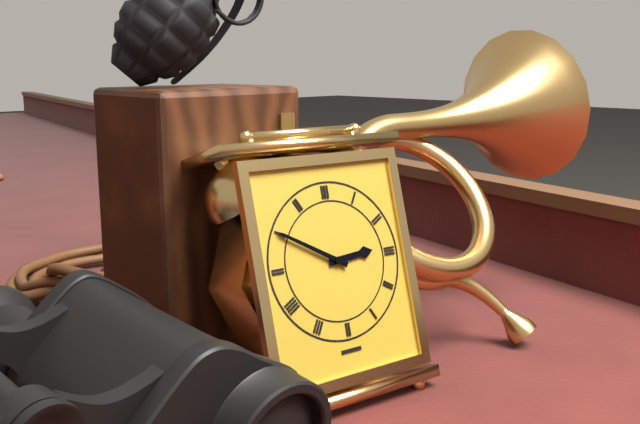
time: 2:50
